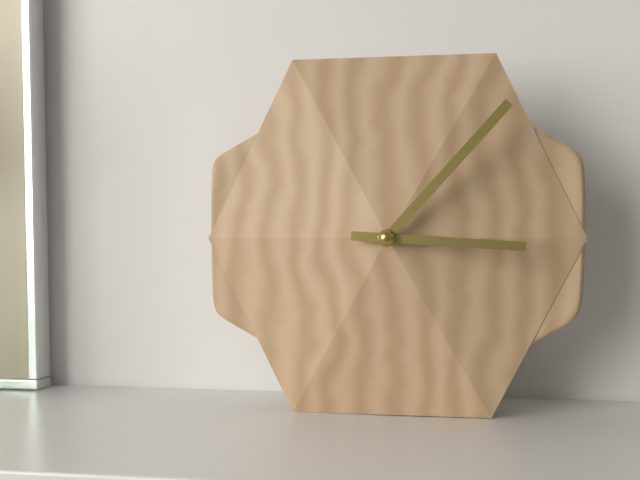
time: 3:07
